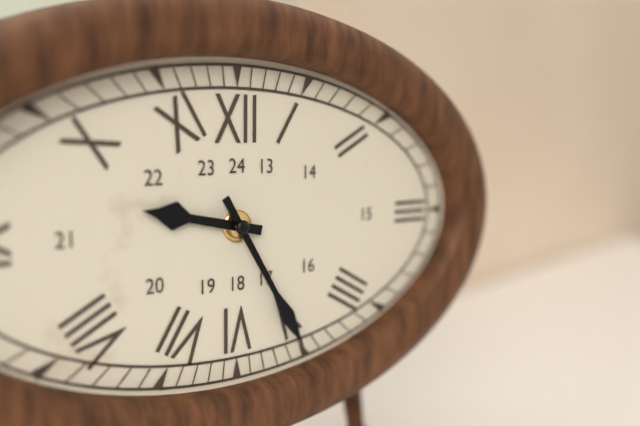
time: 9:25
